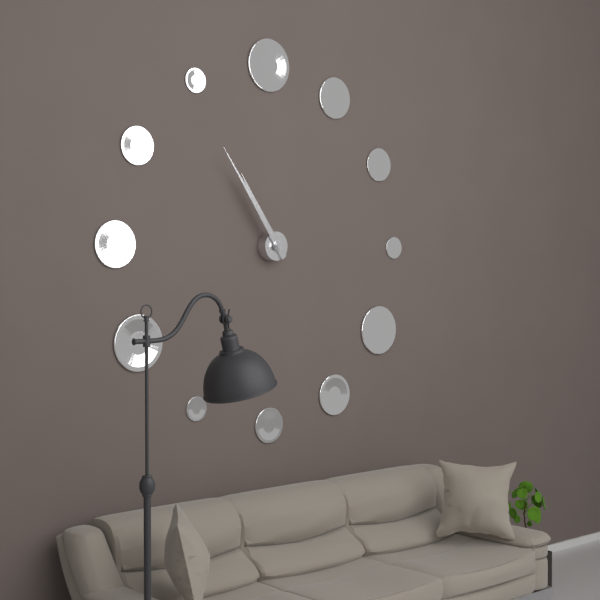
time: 10:54
